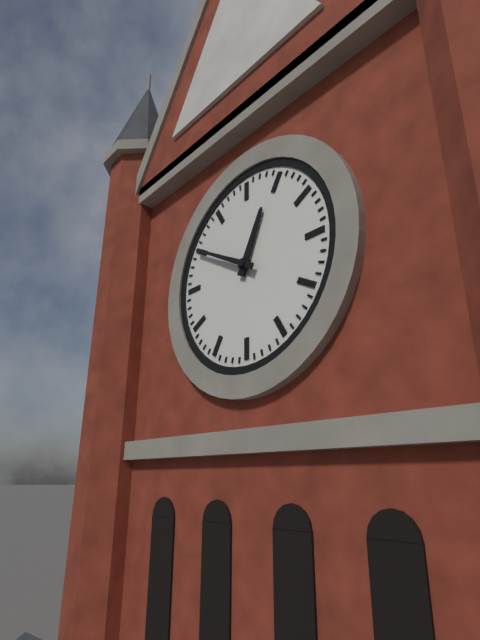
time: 12:50
